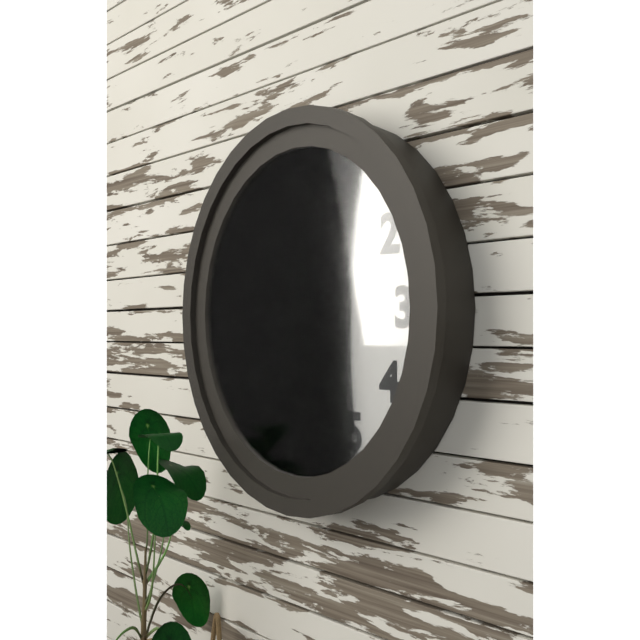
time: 12:55:49
